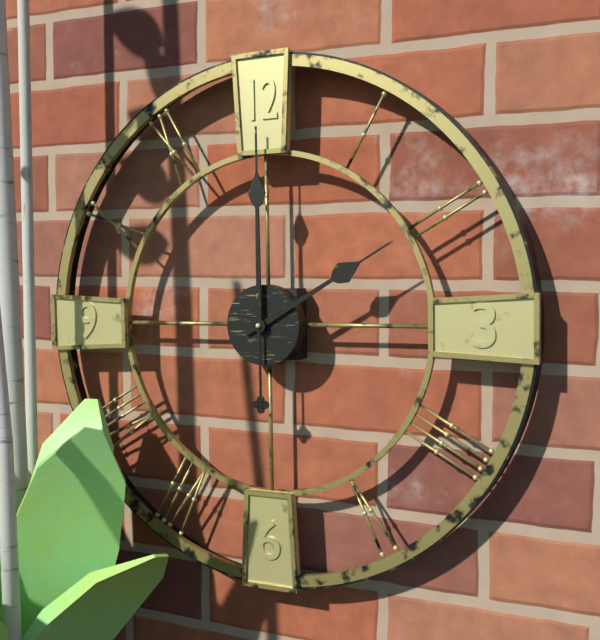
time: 2:00
